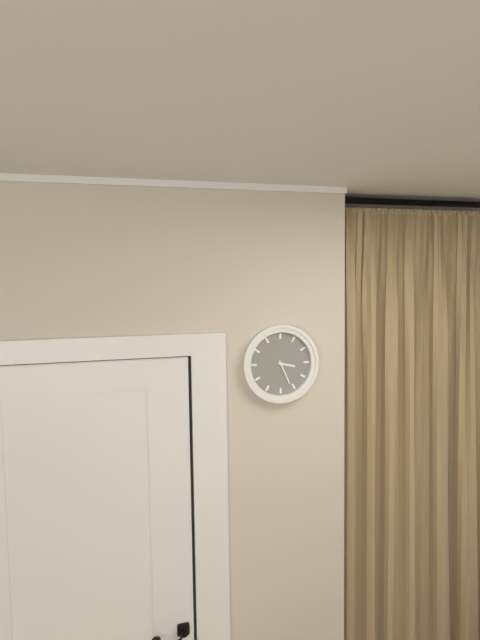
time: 3:26
